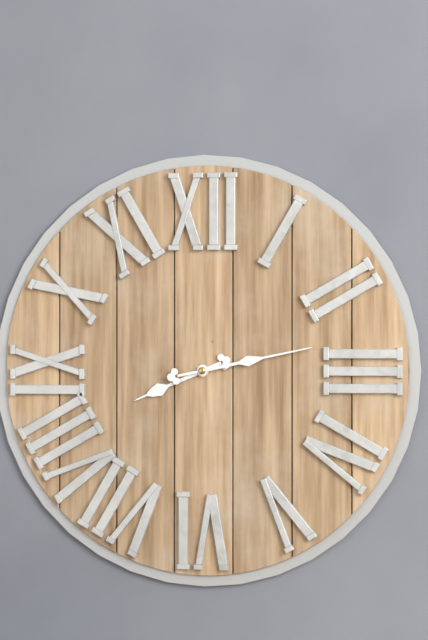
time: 8:13
